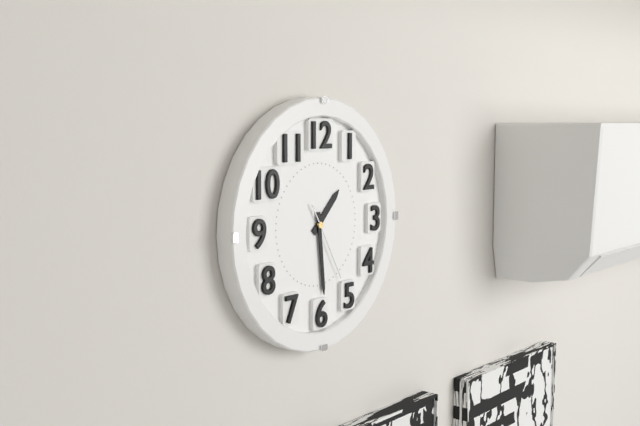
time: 1:29:25
